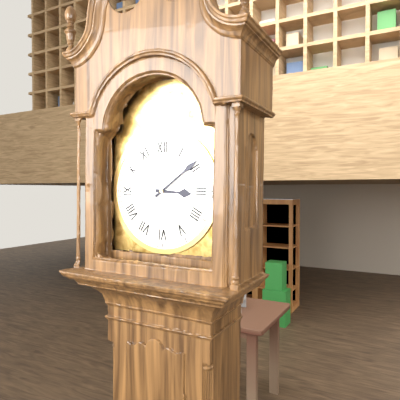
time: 3:09
